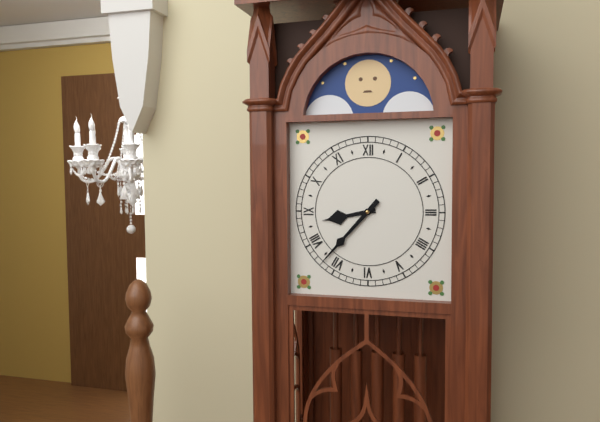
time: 8:37
